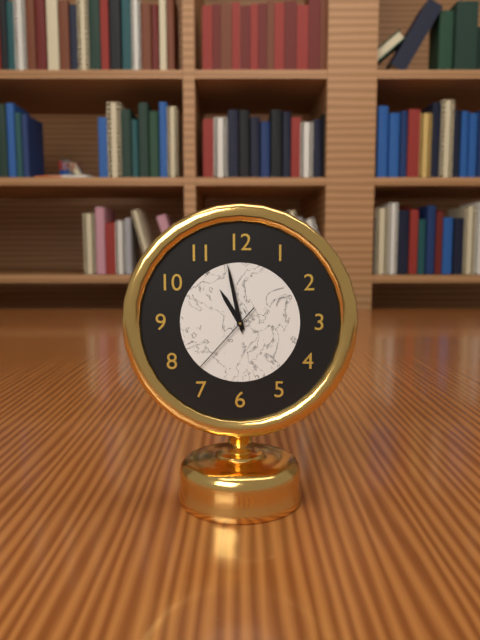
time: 10:58:37
